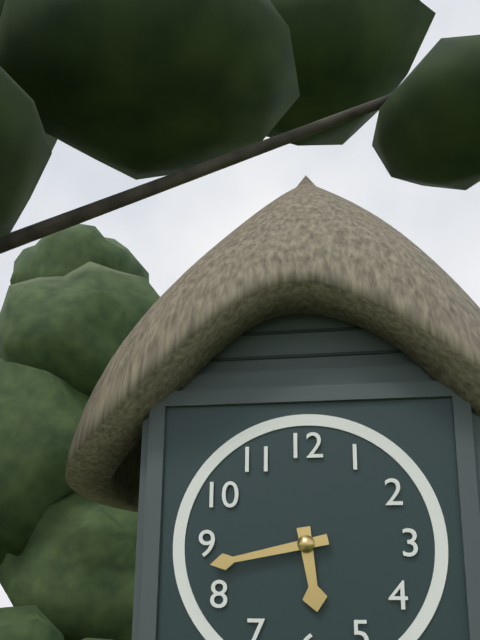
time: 5:43
